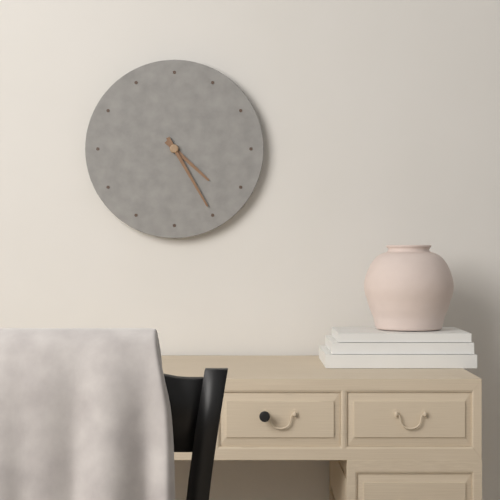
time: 4:25
